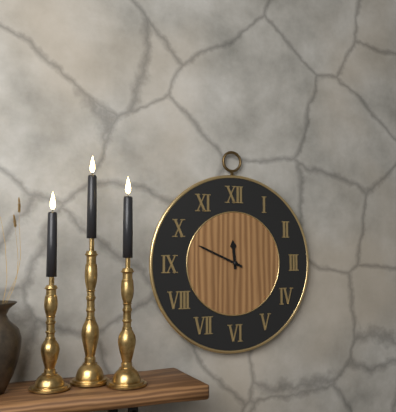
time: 11:49
